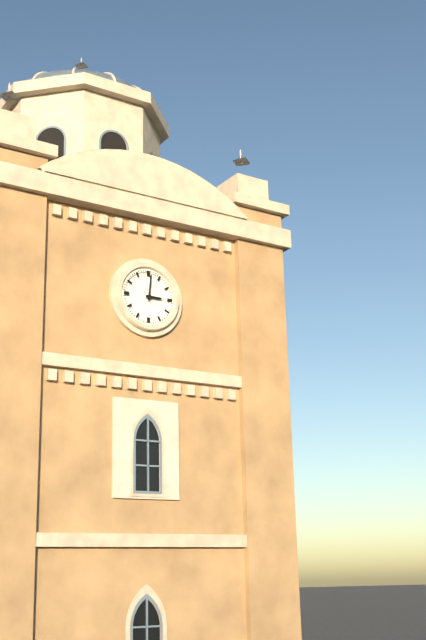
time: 3:01
